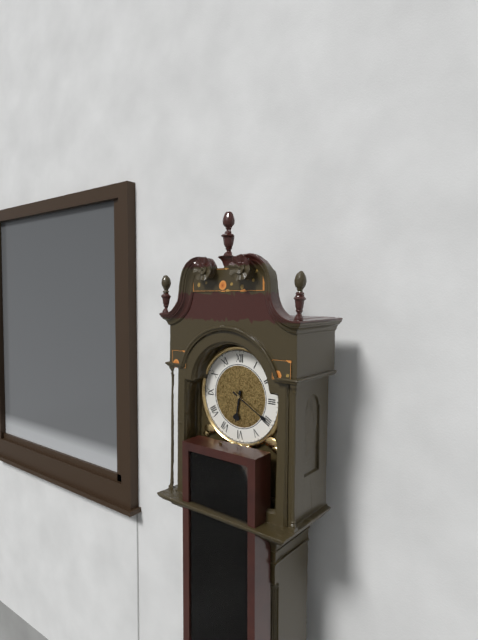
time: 6:20
